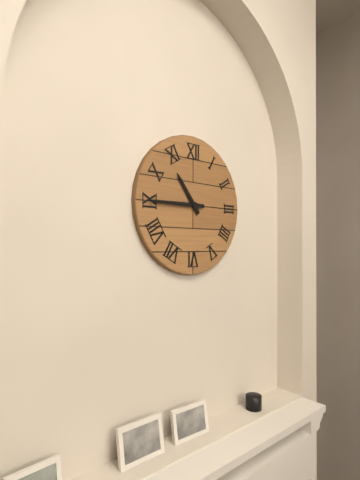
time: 10:45
